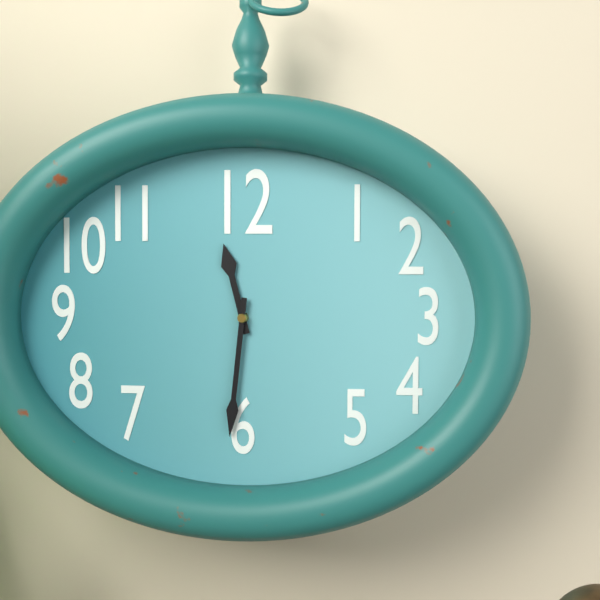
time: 11:31
